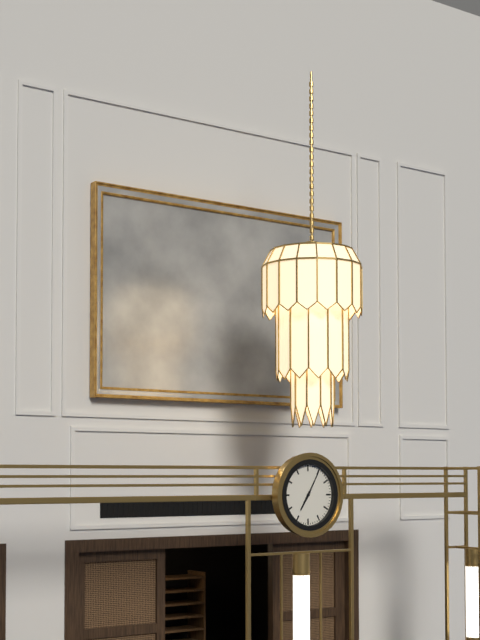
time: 7:05
